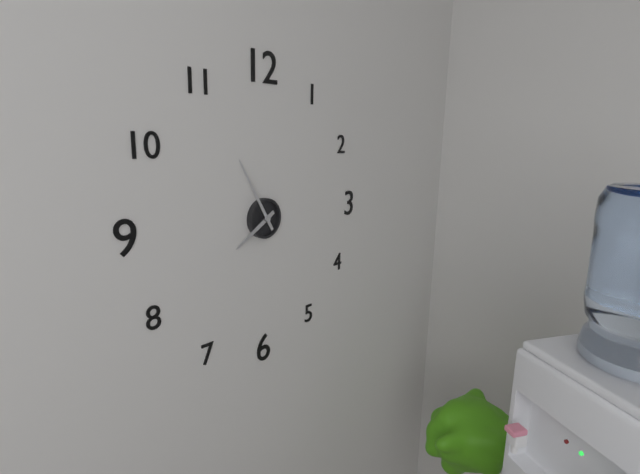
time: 7:55
